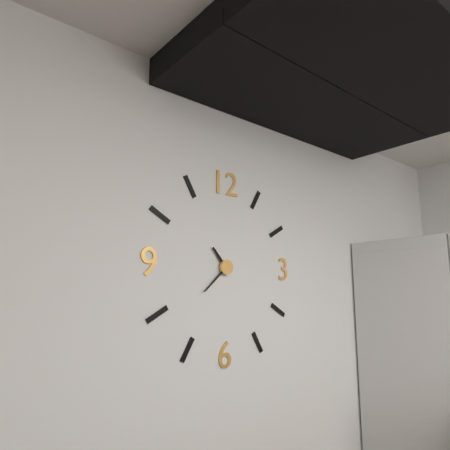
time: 10:38
